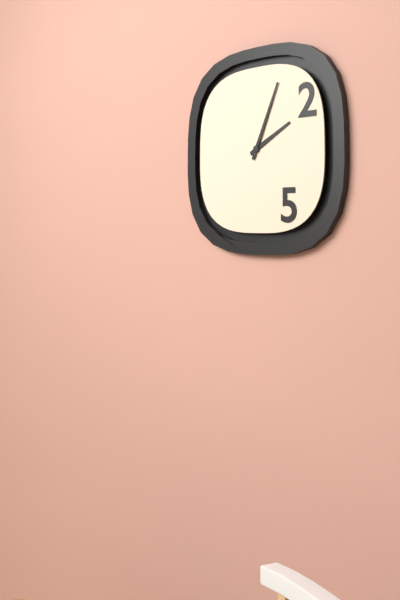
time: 2:04
